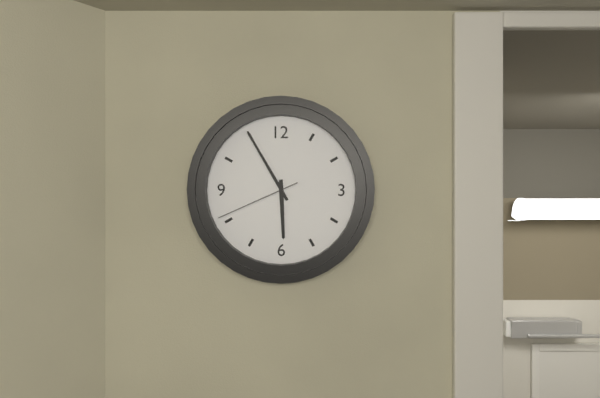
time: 5:55:41
